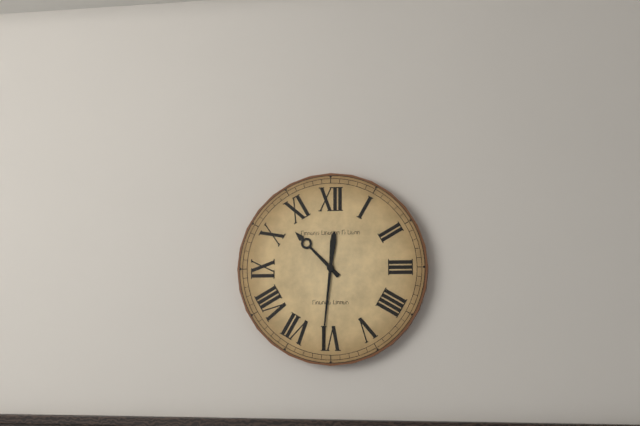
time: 10:31
